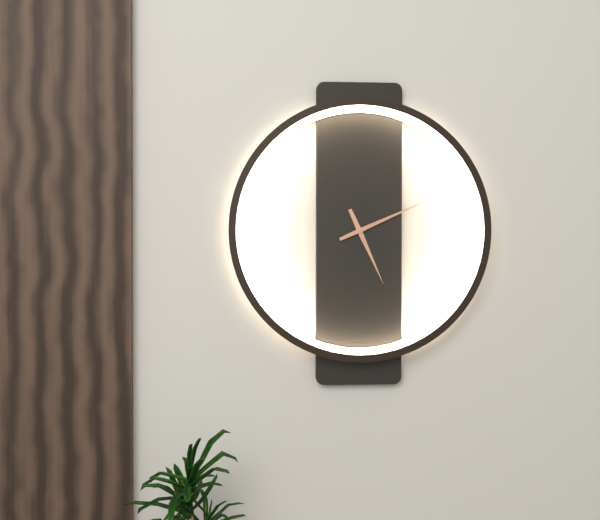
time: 5:11
